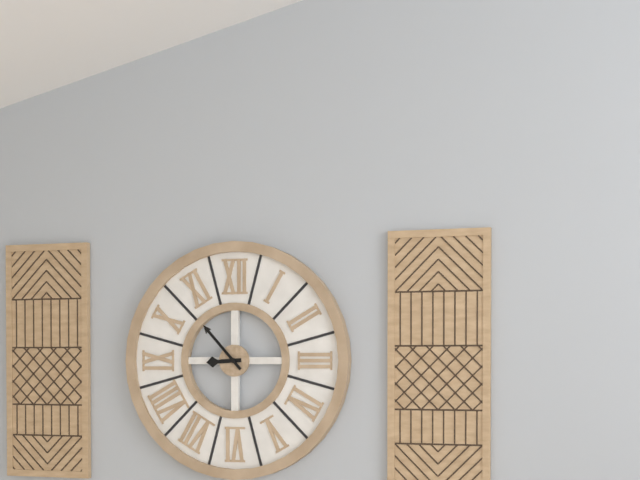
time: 8:53
